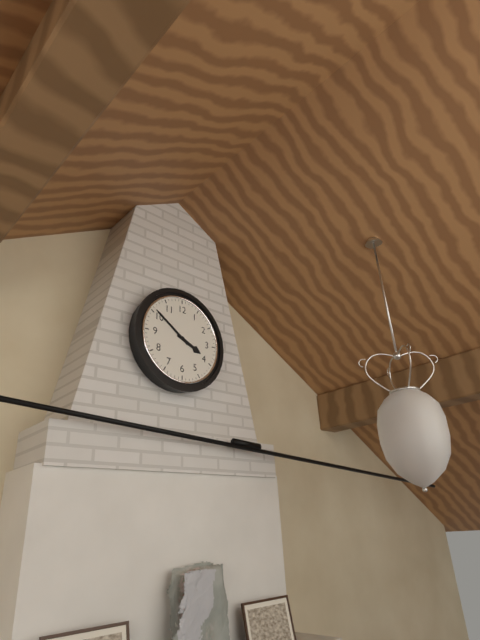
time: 3:51
